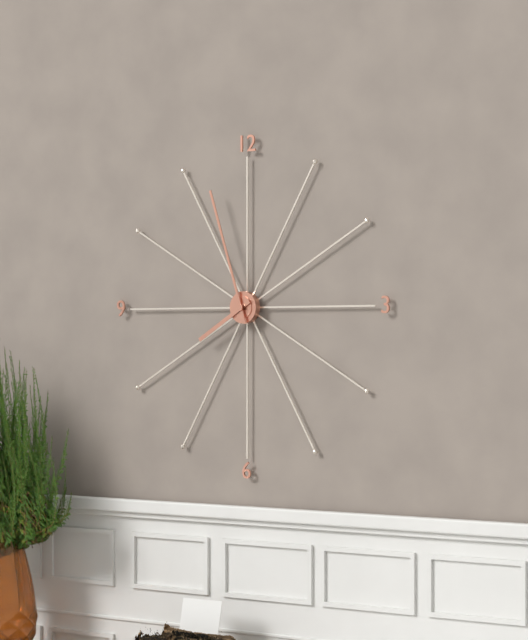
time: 7:57
